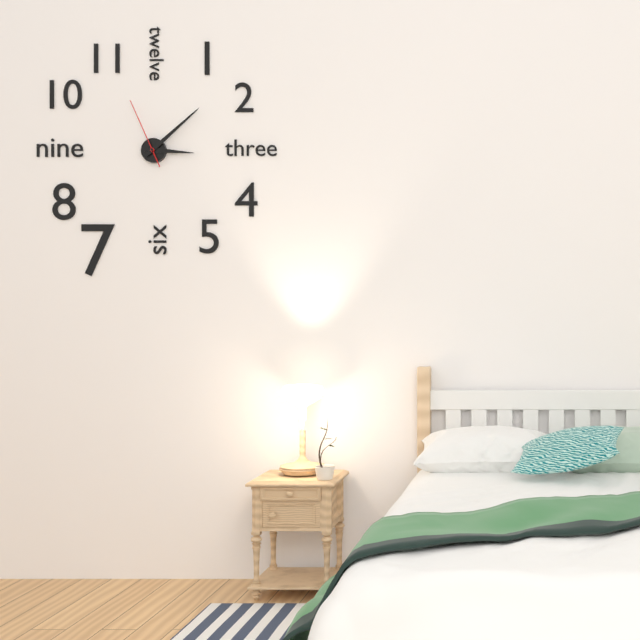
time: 3:08:56
